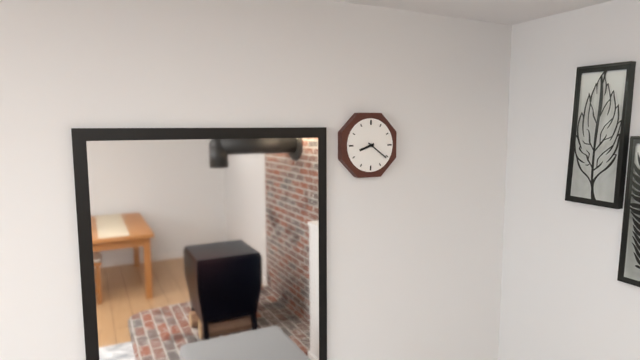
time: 8:21
